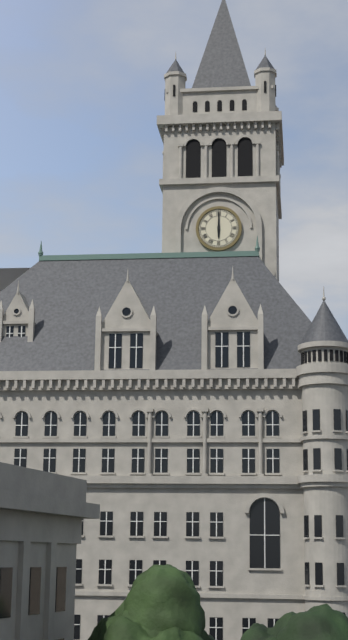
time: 6:00
